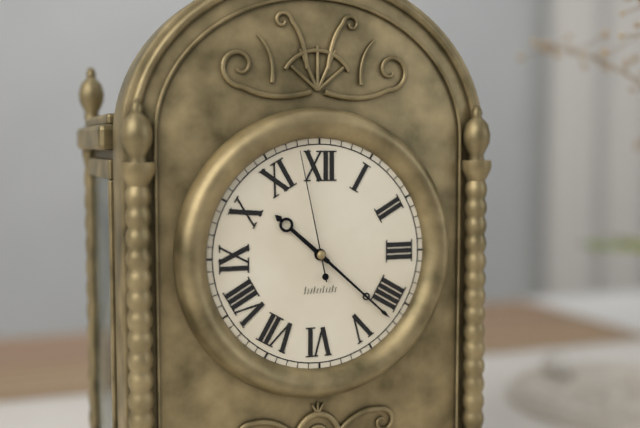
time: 10:22:58
